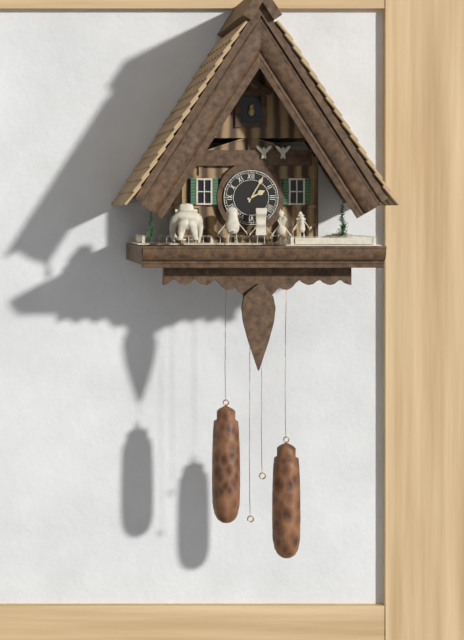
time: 2:05
